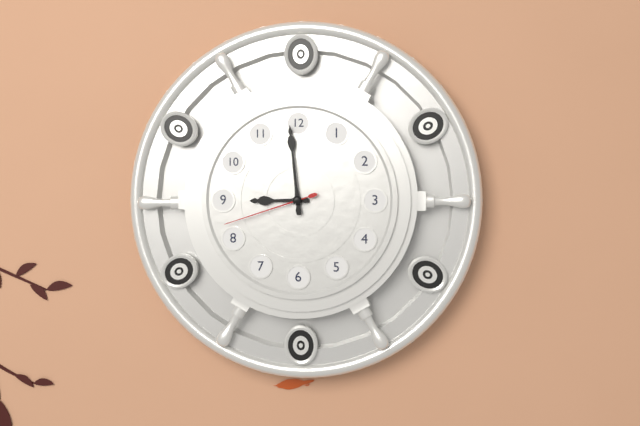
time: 8:59:42
